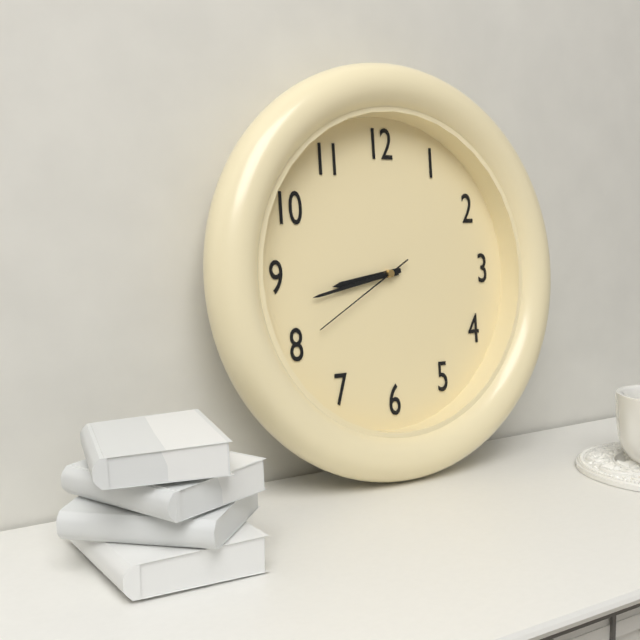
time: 8:43:40
